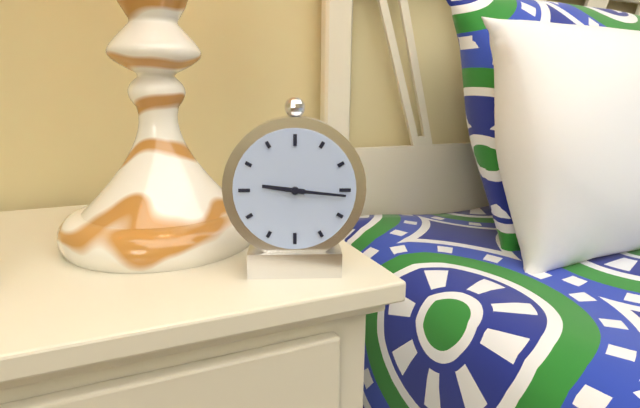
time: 9:16
